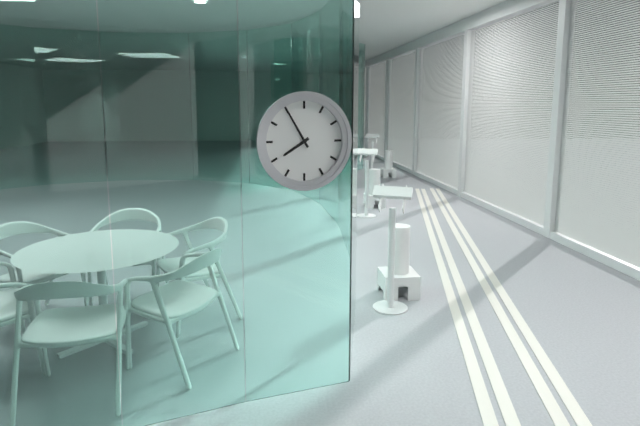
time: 7:55
